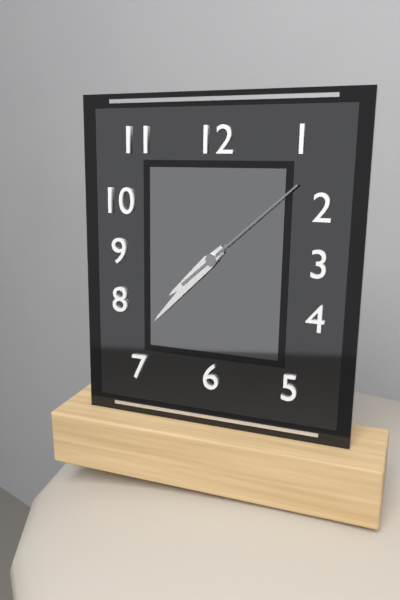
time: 7:37:08
